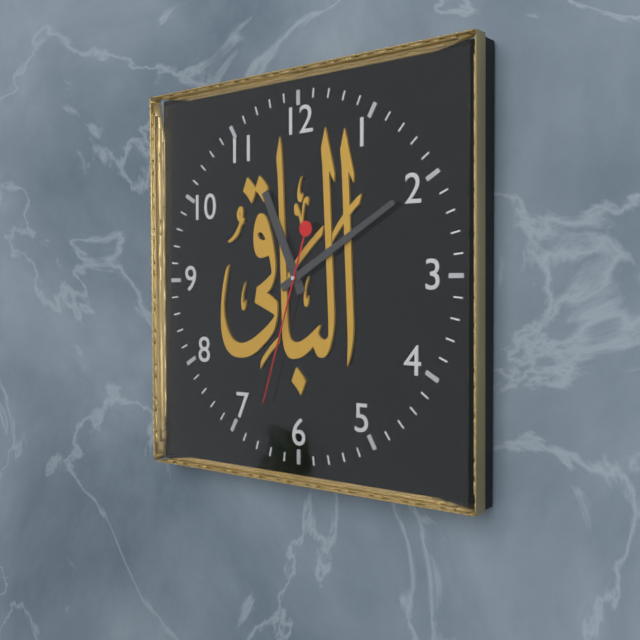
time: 11:10:33
